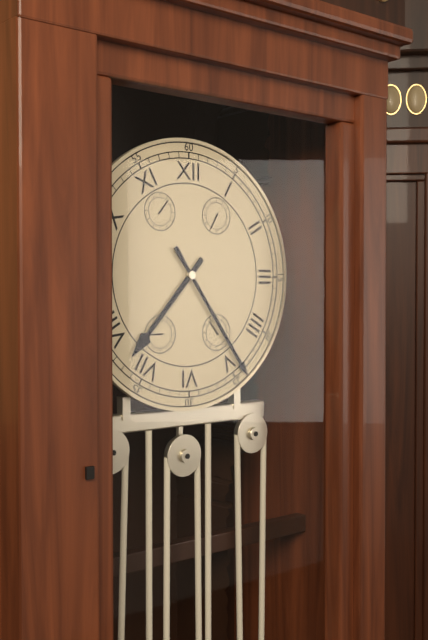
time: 7:24
